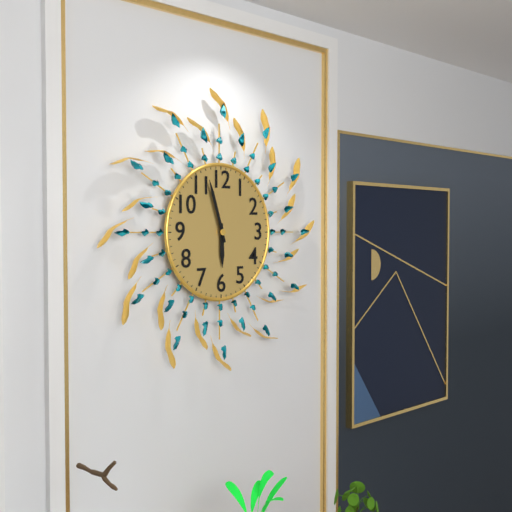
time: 5:57
